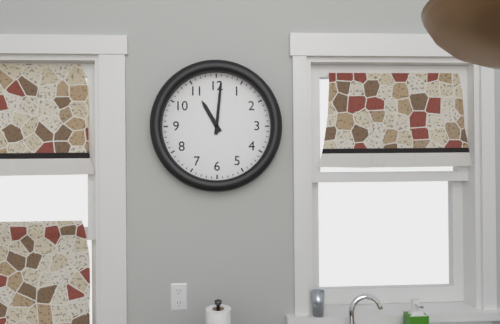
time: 11:01
